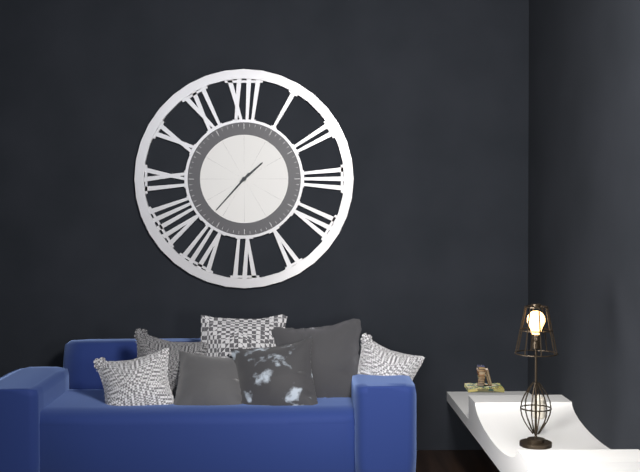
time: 1:37
